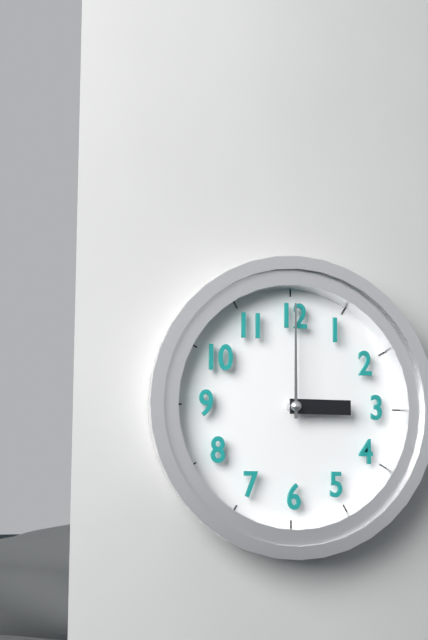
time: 3:00
